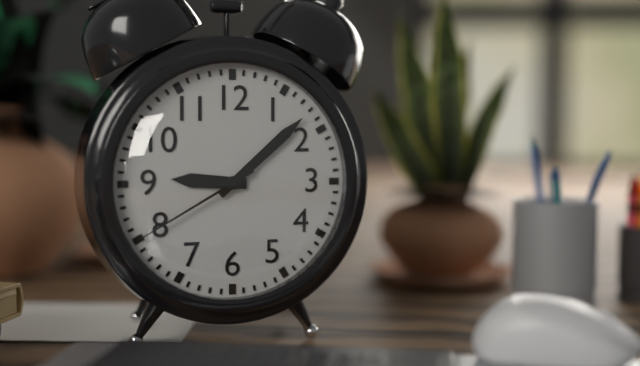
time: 9:08:40
